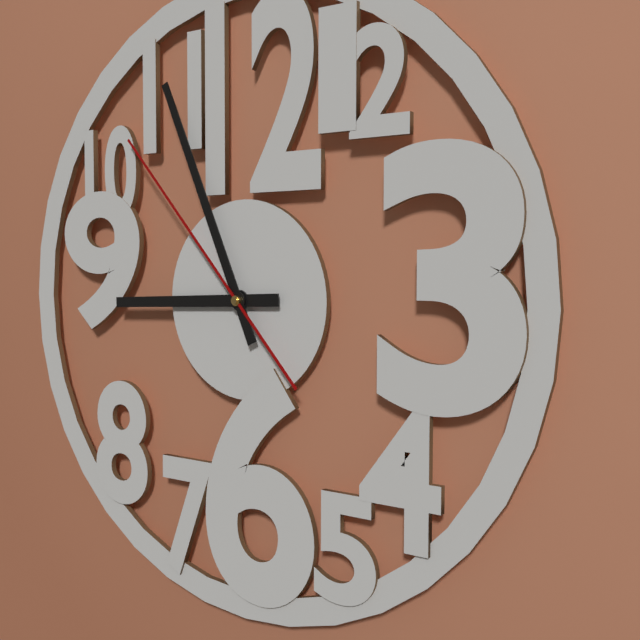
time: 8:56:53
